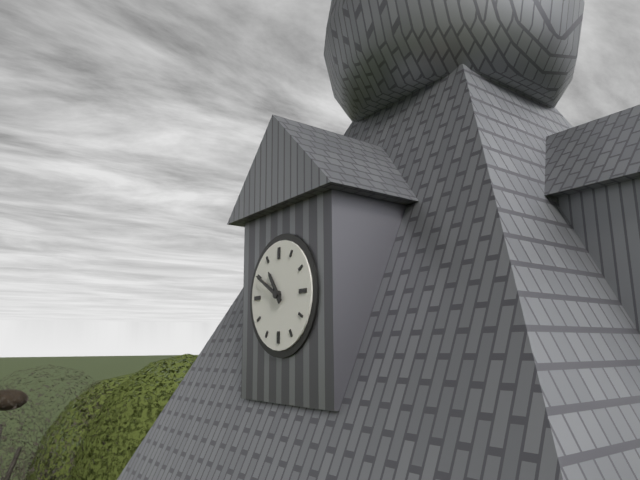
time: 10:50
